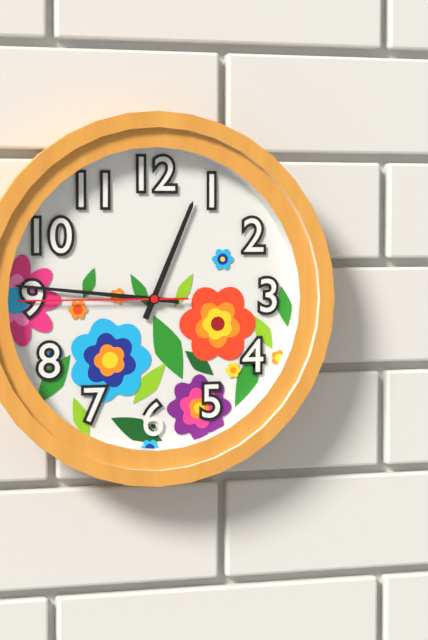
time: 12:46:45
